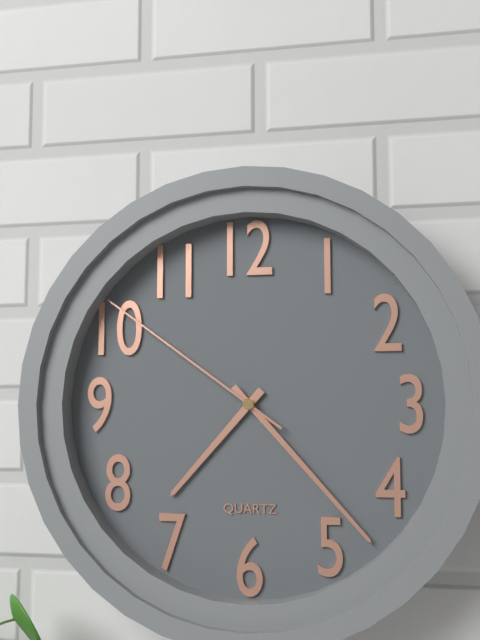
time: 7:23:51
